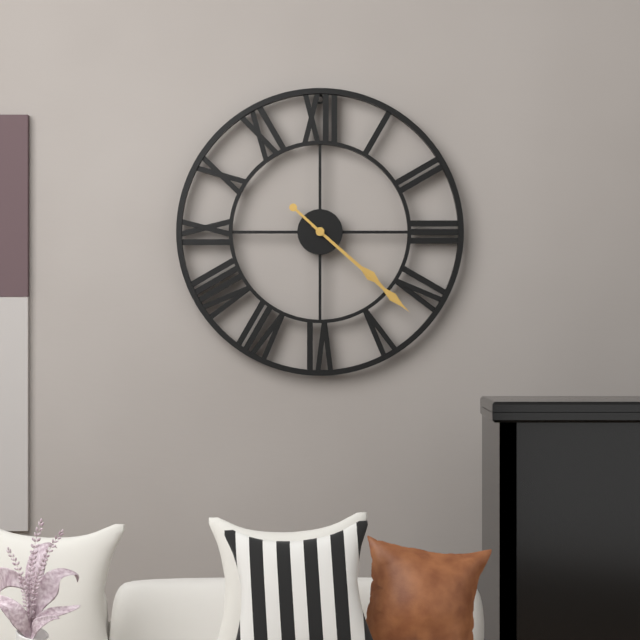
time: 4:22
